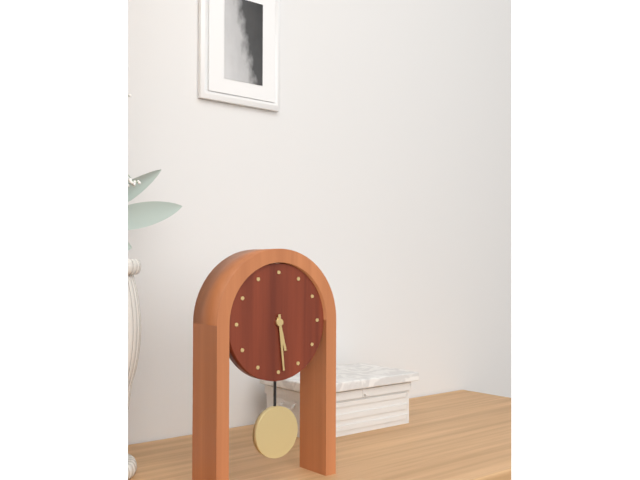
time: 5:29
